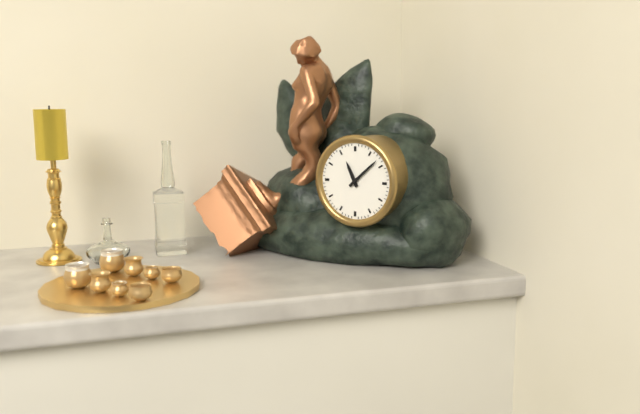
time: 11:08
